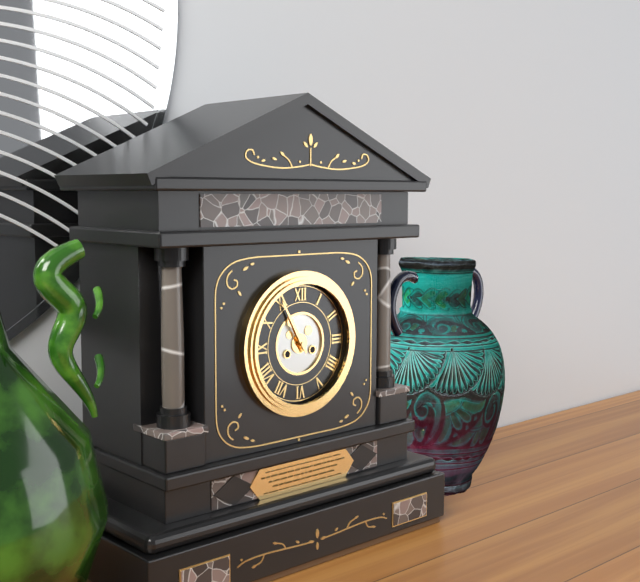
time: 10:55
